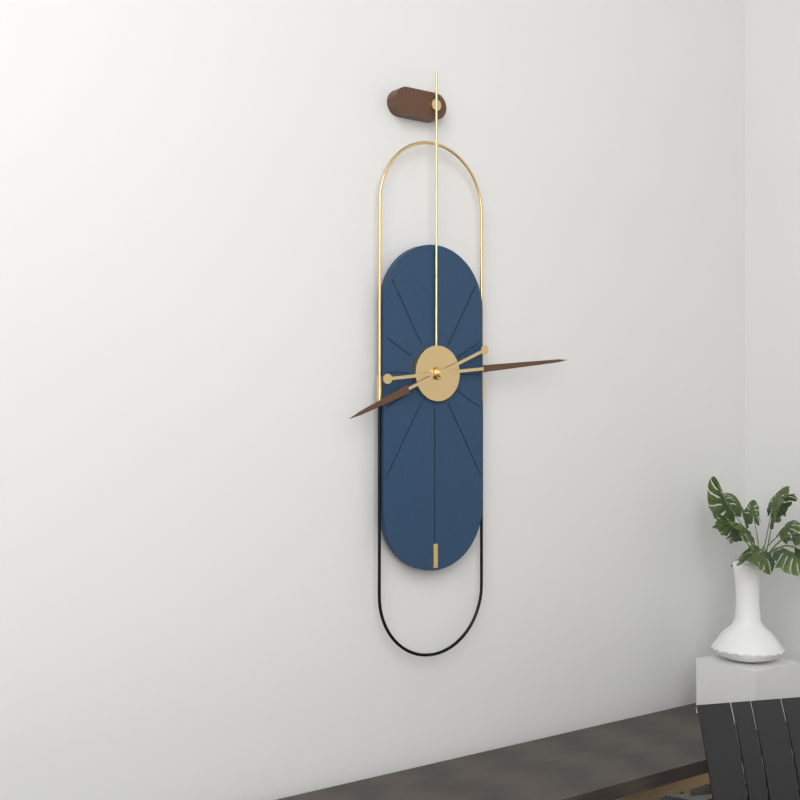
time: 8:14
